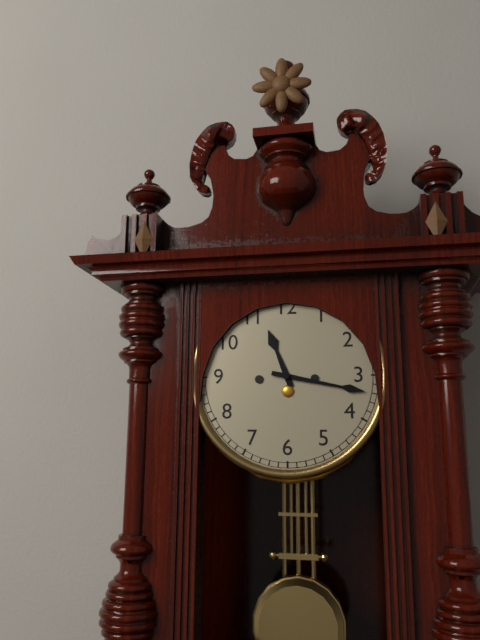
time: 11:17
